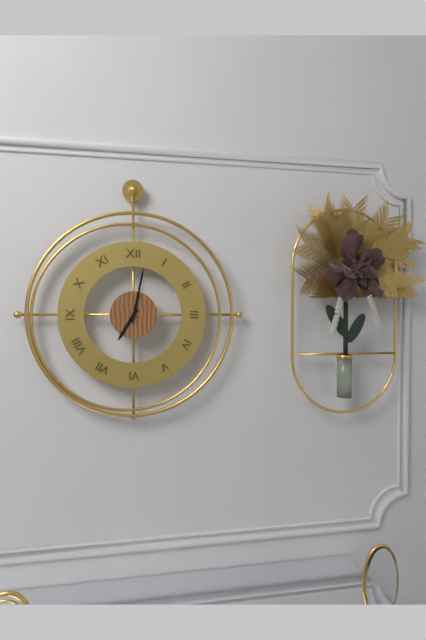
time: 7:02
